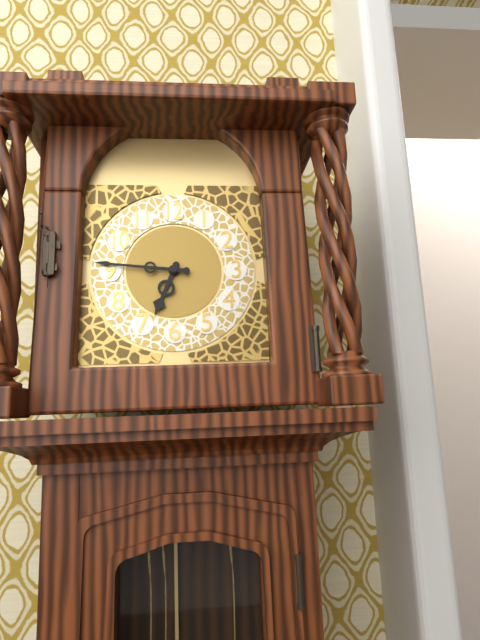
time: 6:46
